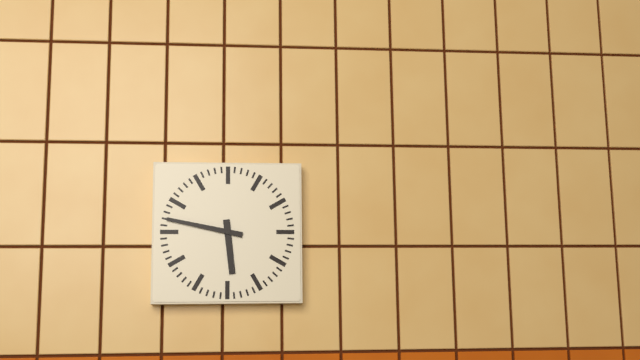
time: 5:47
